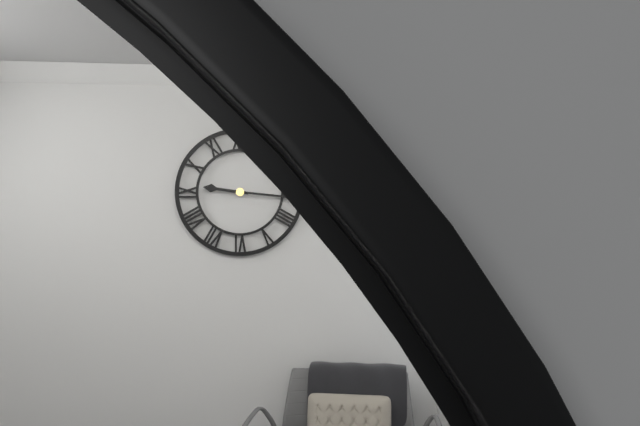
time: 9:16
